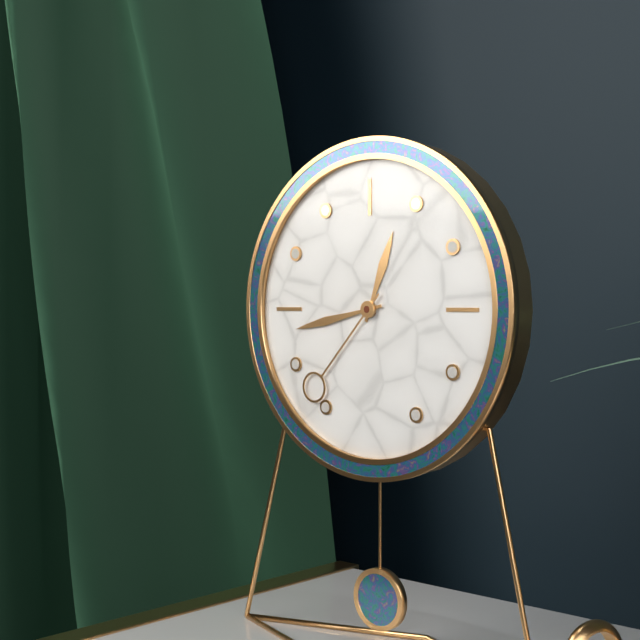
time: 12:43:37
